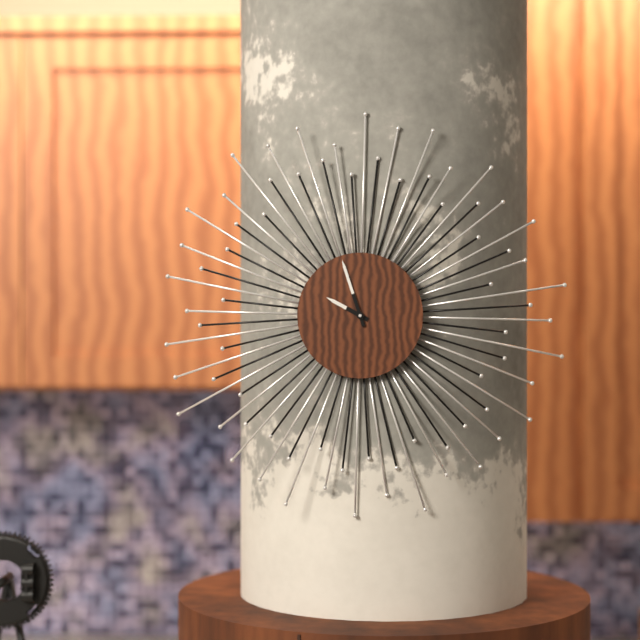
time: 9:57
